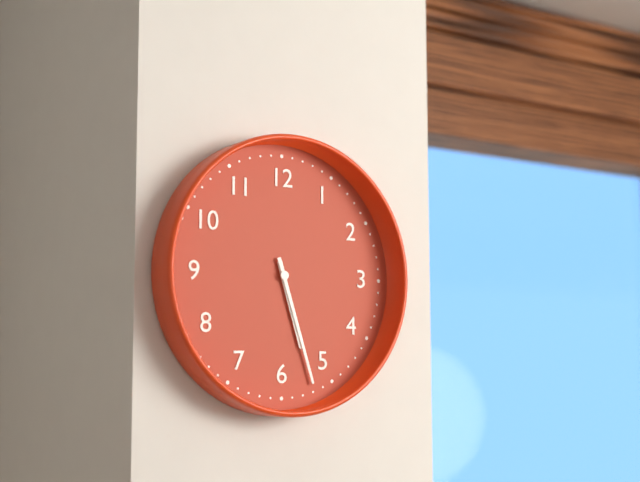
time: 5:27
